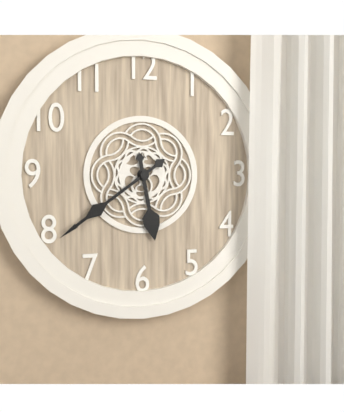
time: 5:39
